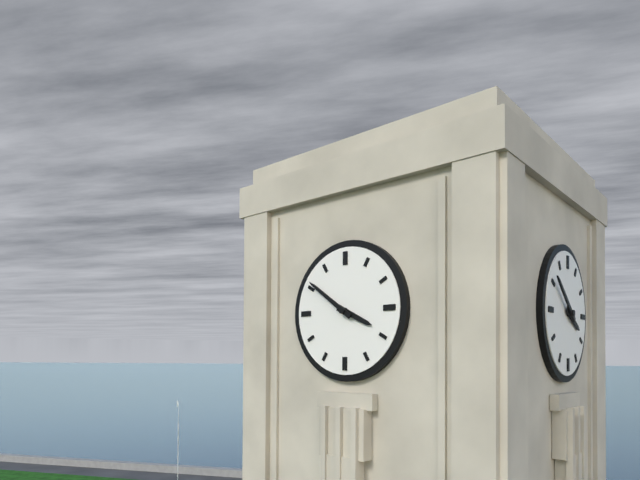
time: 3:51
